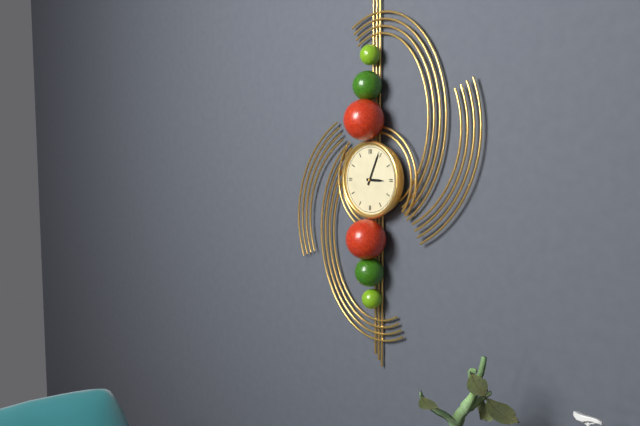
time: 3:04
